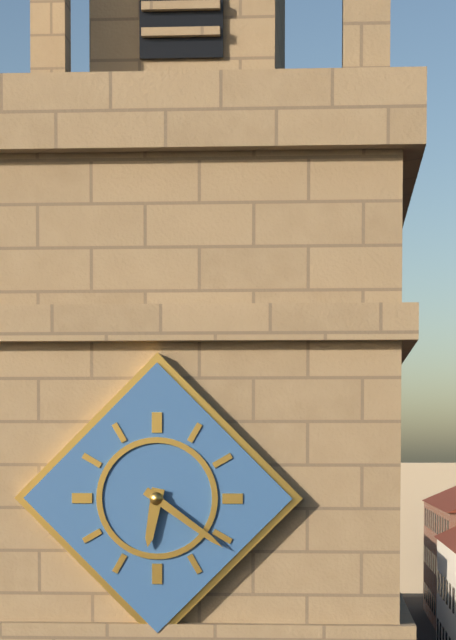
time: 6:21
